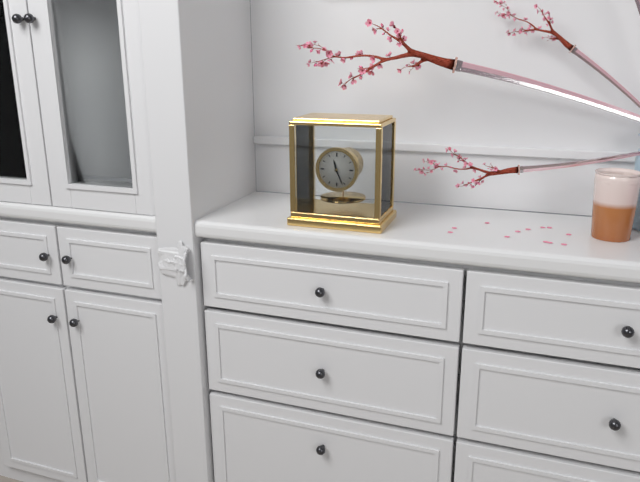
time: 11:26
